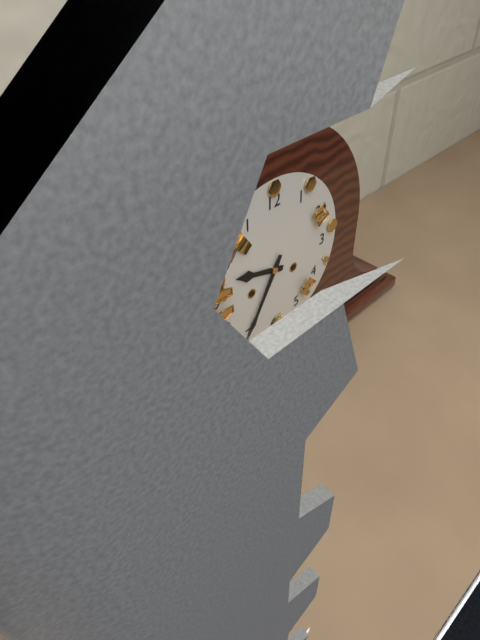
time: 9:35
